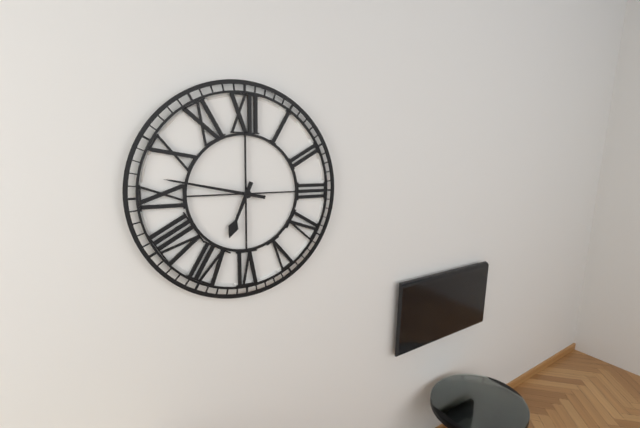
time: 6:47
